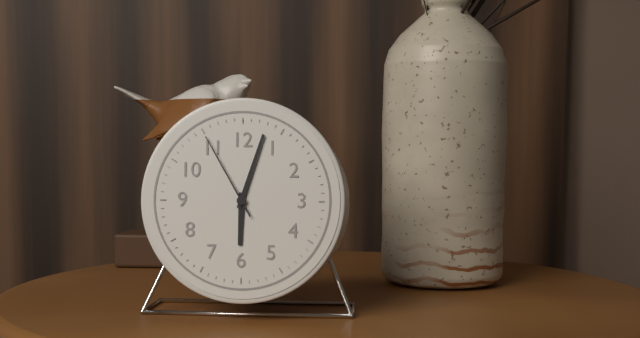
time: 6:03:55
